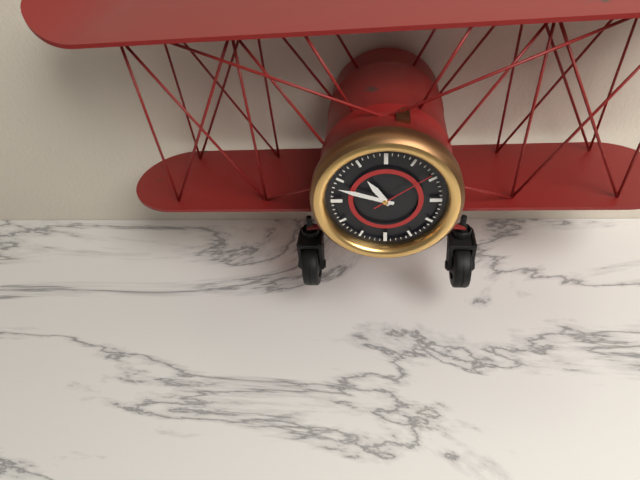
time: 10:48:09
